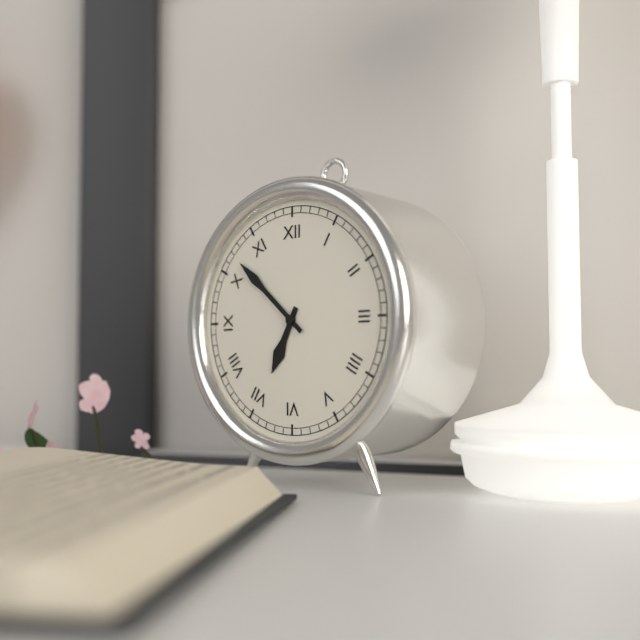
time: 6:52
